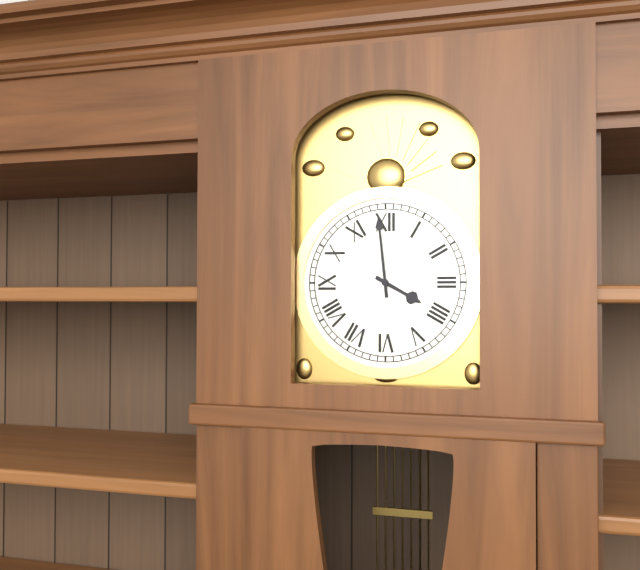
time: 3:59
